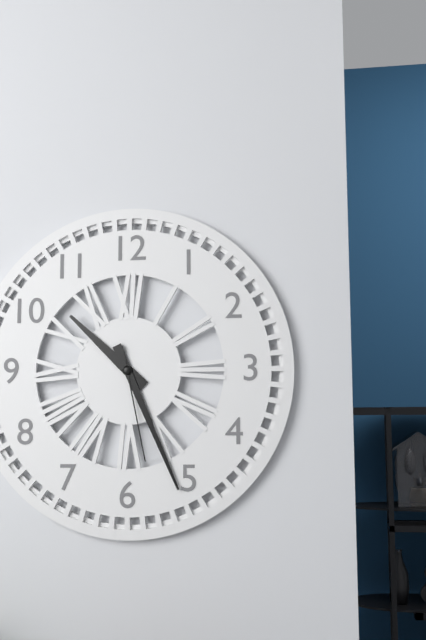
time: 10:26:28
